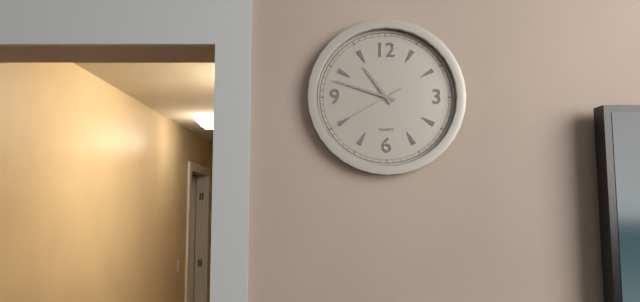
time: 10:48:40
